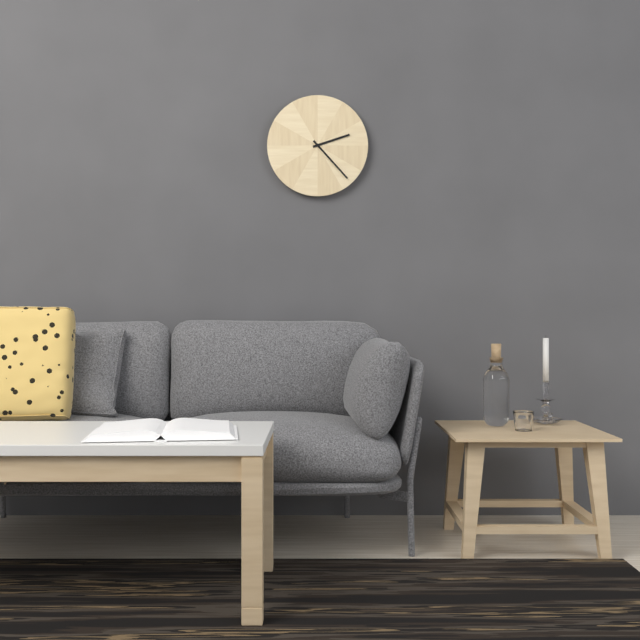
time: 2:23
